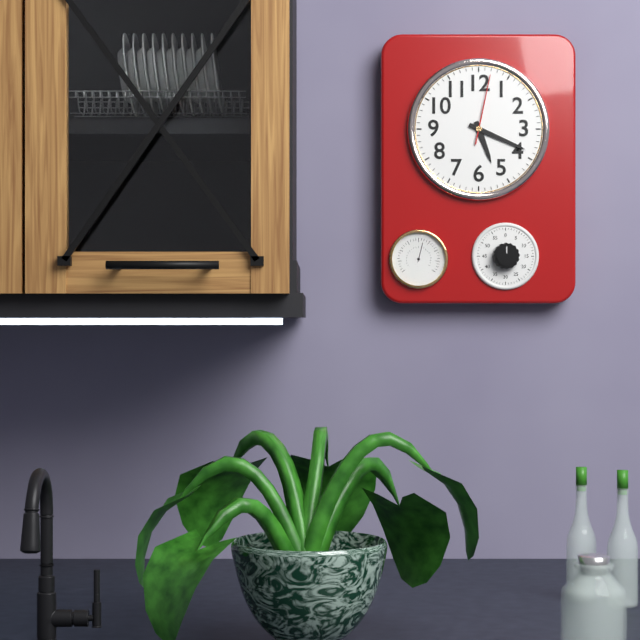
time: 5:19:02
